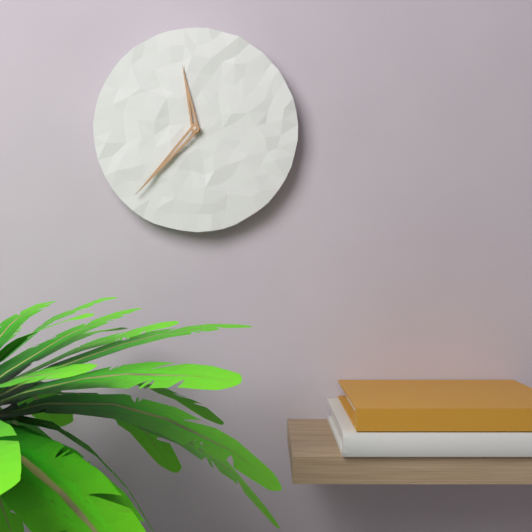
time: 11:37
